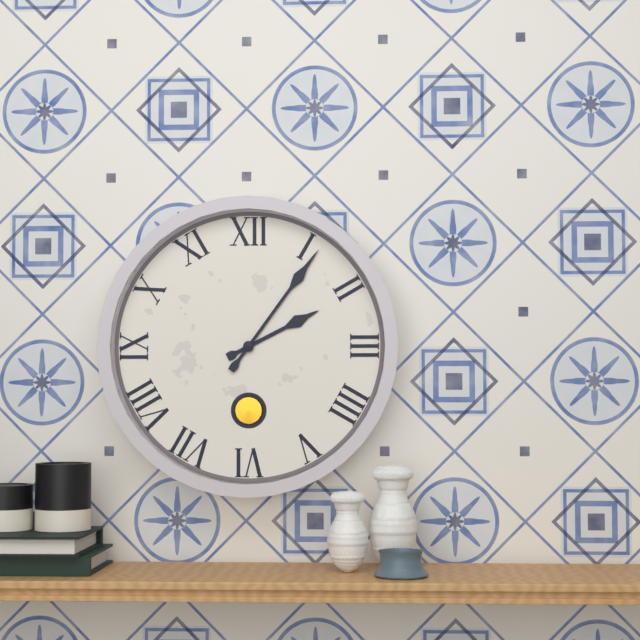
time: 2:06
